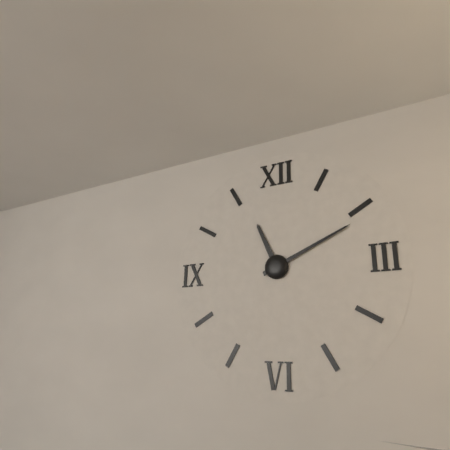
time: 11:11
